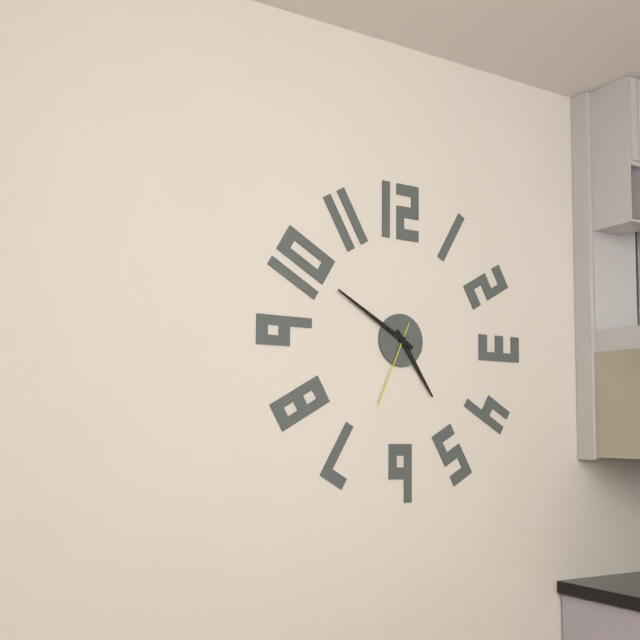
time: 4:50:34
